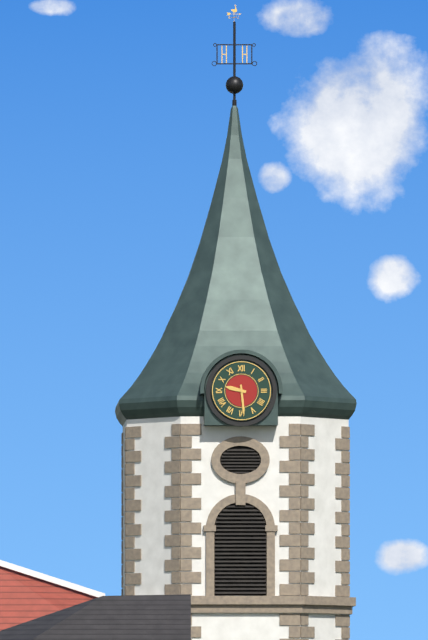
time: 9:29
